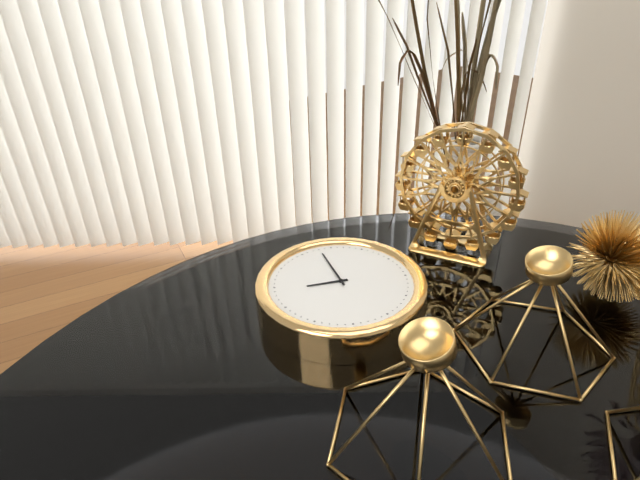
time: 6:48
